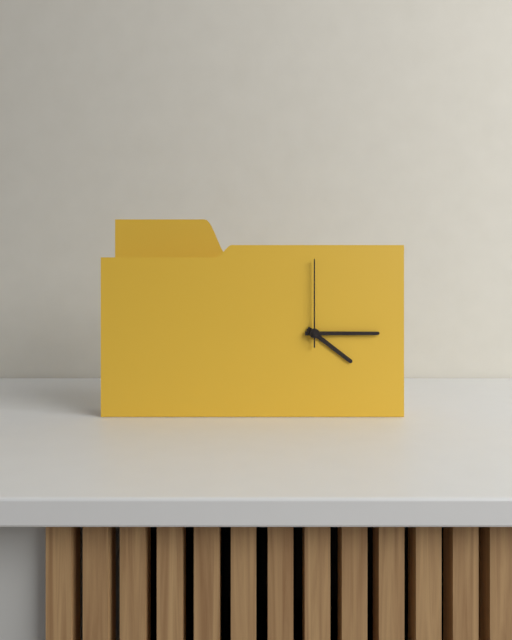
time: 4:15:00
